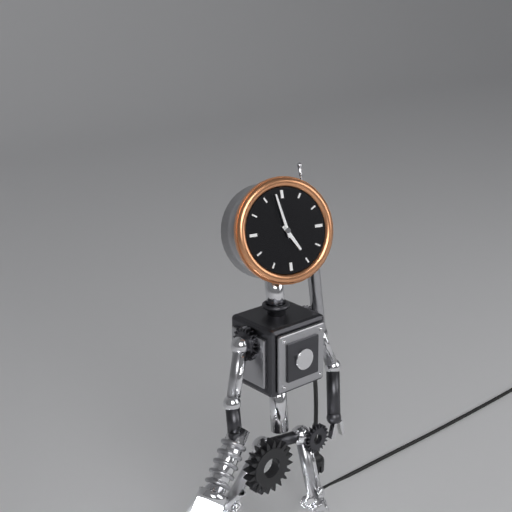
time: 4:58
